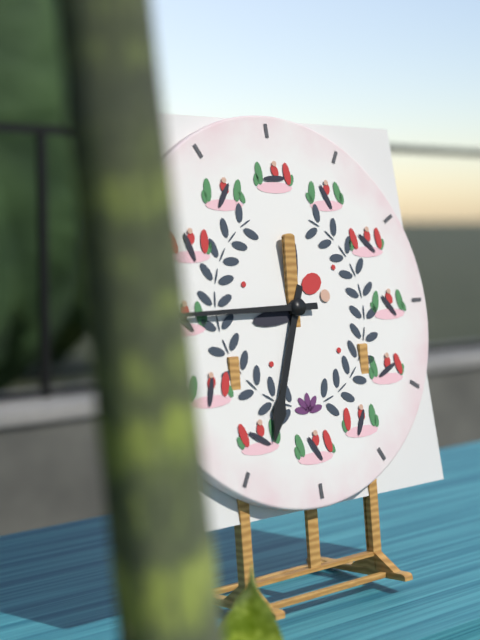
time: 6:45
